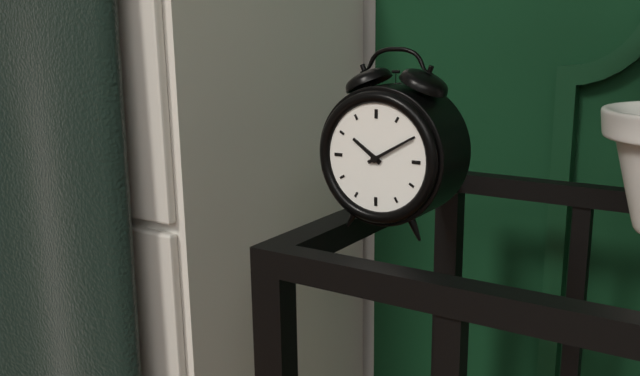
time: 10:10
